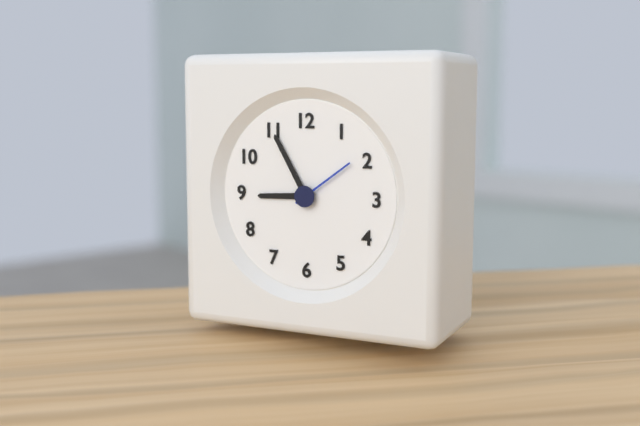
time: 8:55:09
